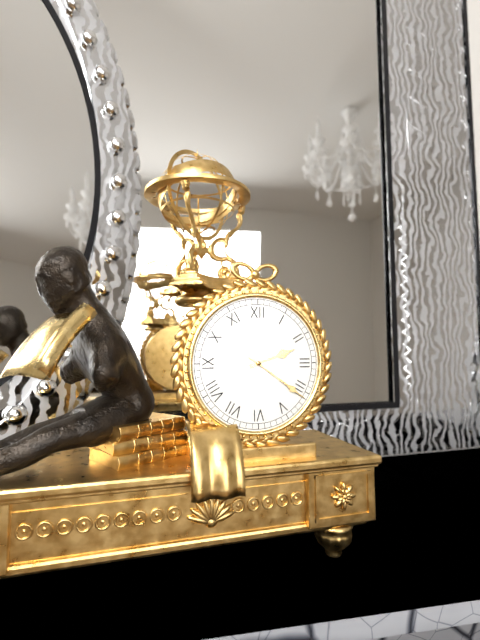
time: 2:21
